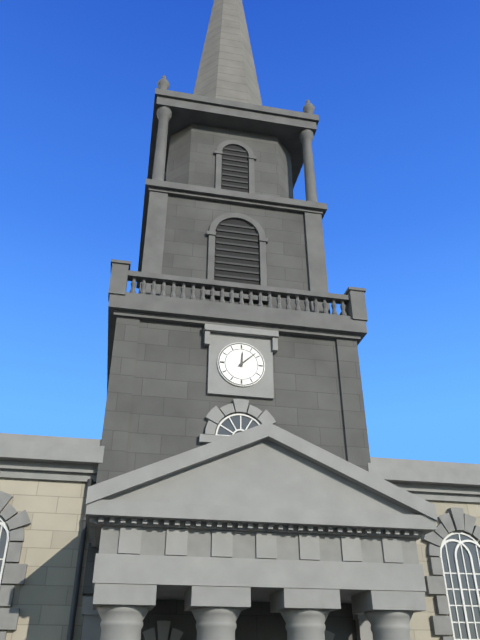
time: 12:08
